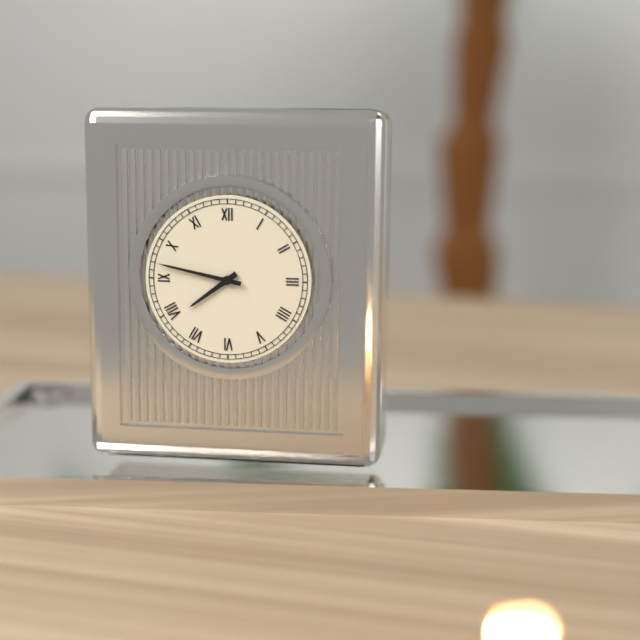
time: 7:47
